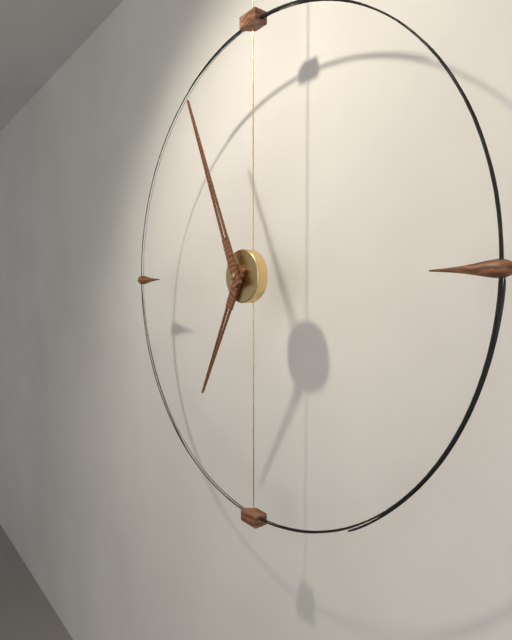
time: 6:56
